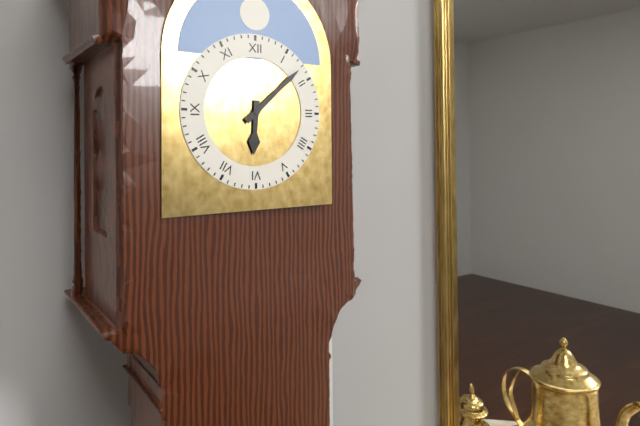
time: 6:08
